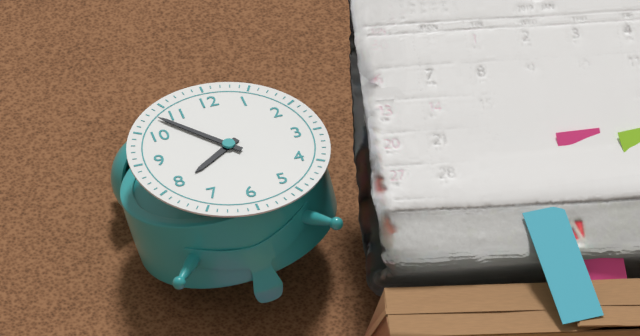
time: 7:53
